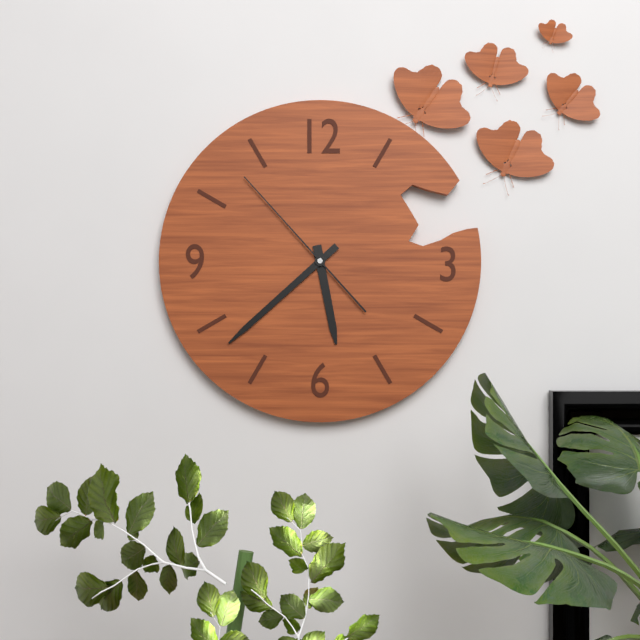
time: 5:38:53
